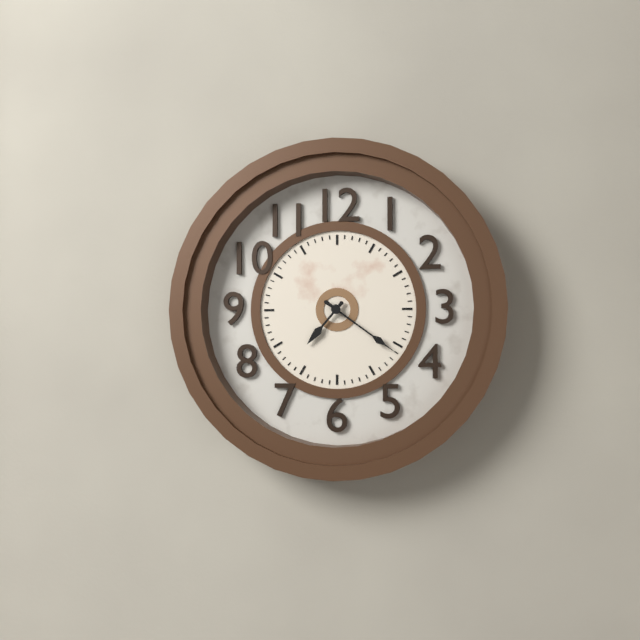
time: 7:21
